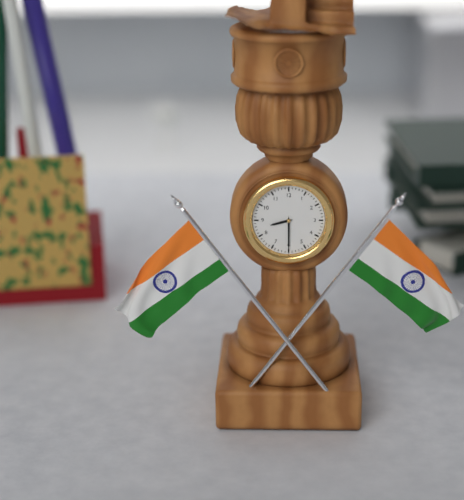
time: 8:30
